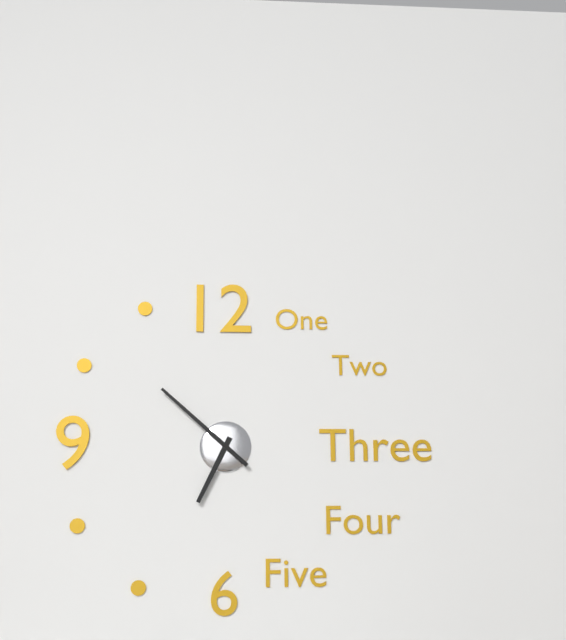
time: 6:52
